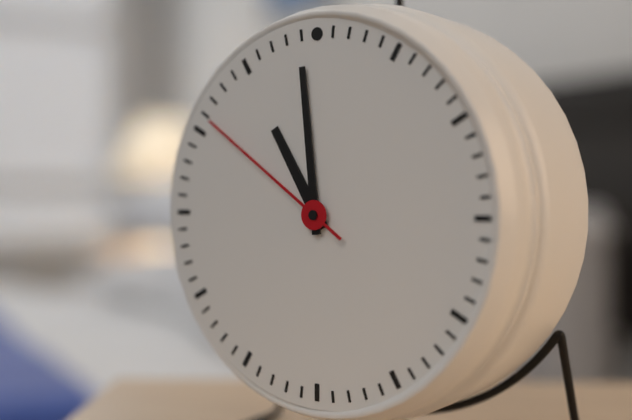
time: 10:59:51
